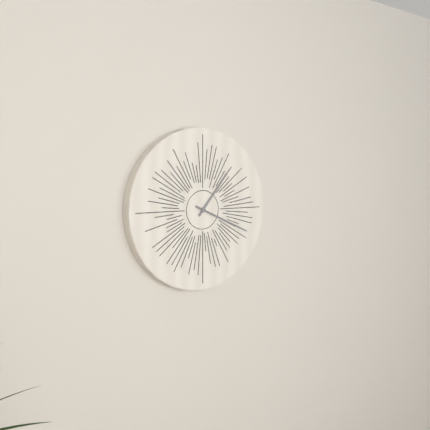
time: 1:19
